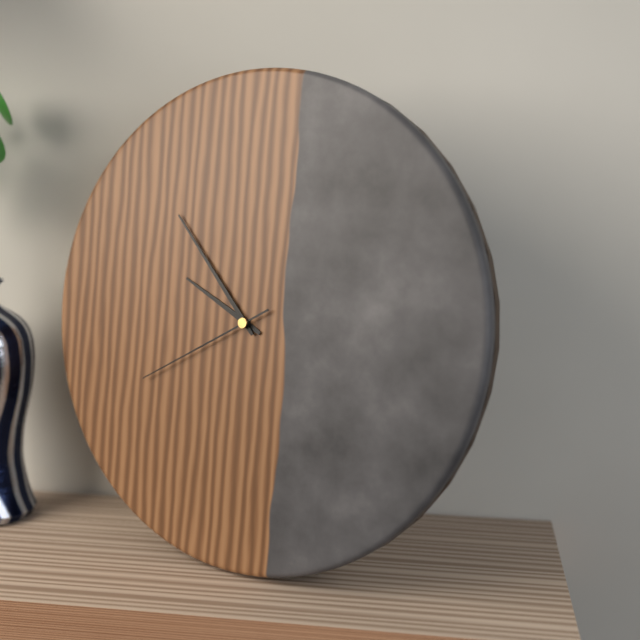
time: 9:53:40
